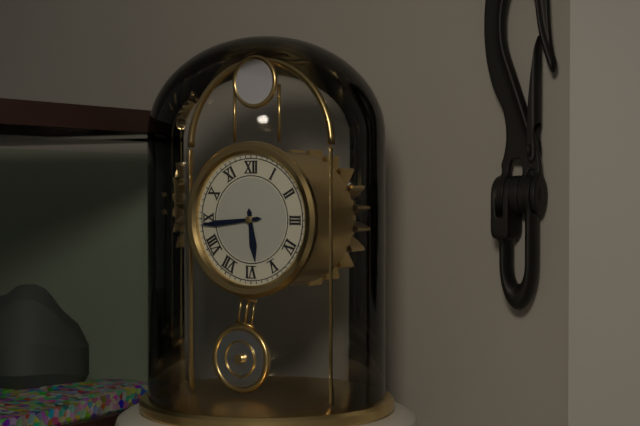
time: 5:44
